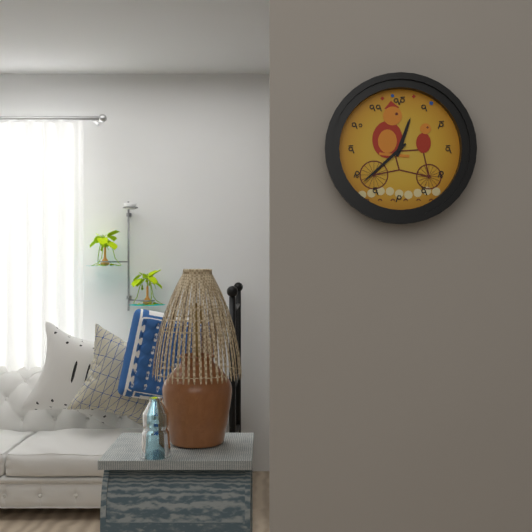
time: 12:38
